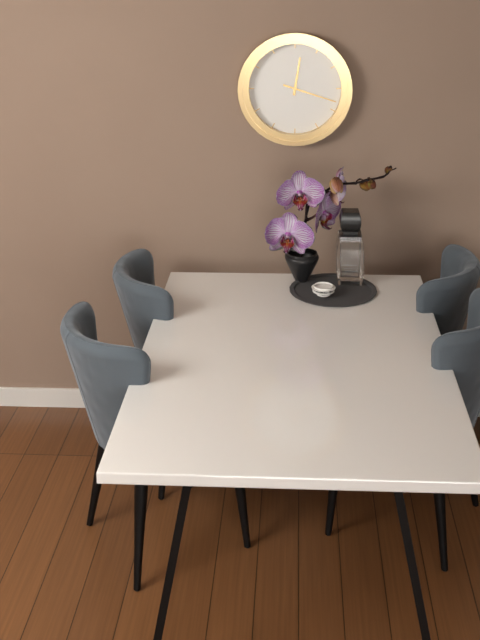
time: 12:18
